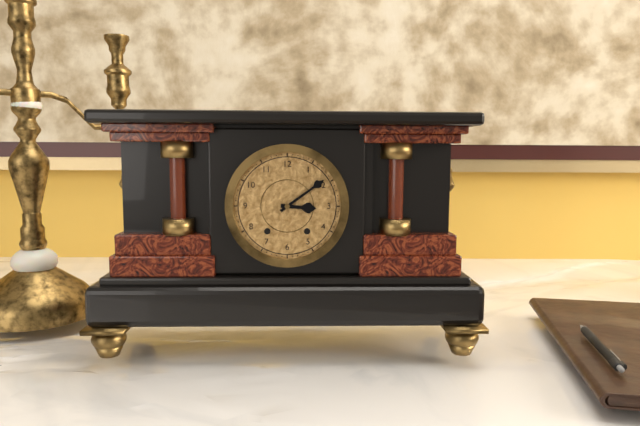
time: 3:09
